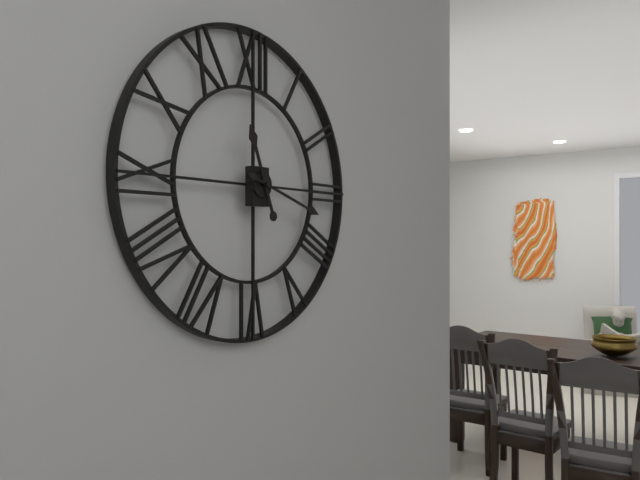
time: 11:18
